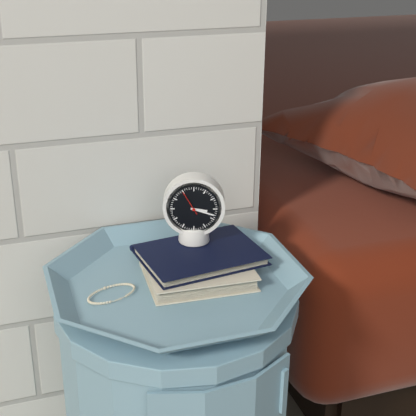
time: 3:18
